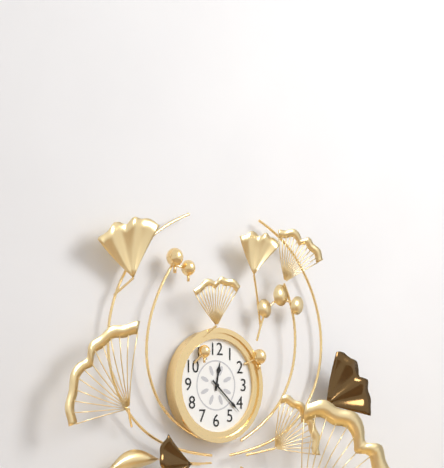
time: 12:22
